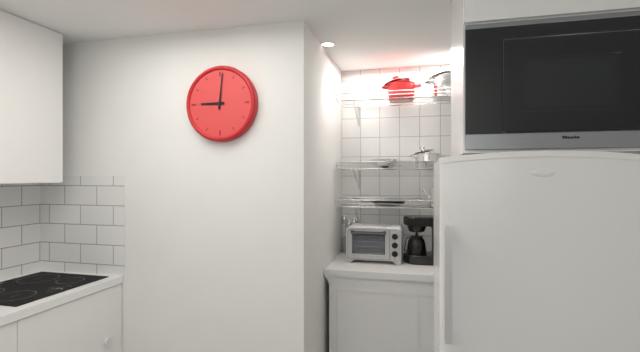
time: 9:01
